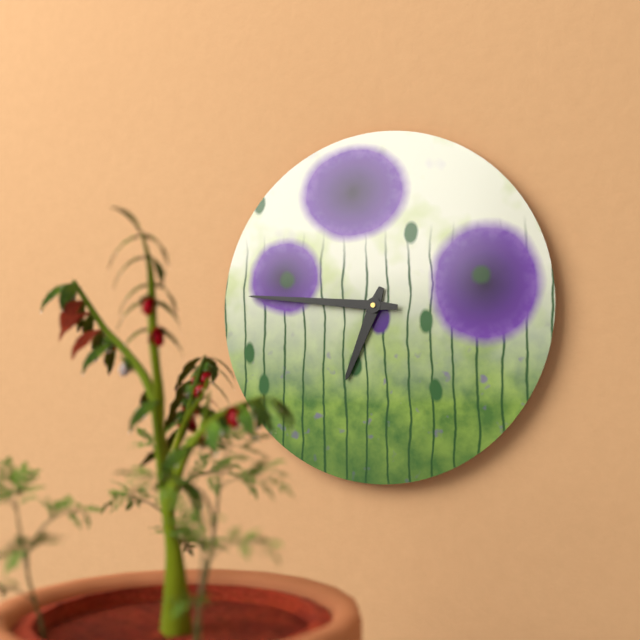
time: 6:46
